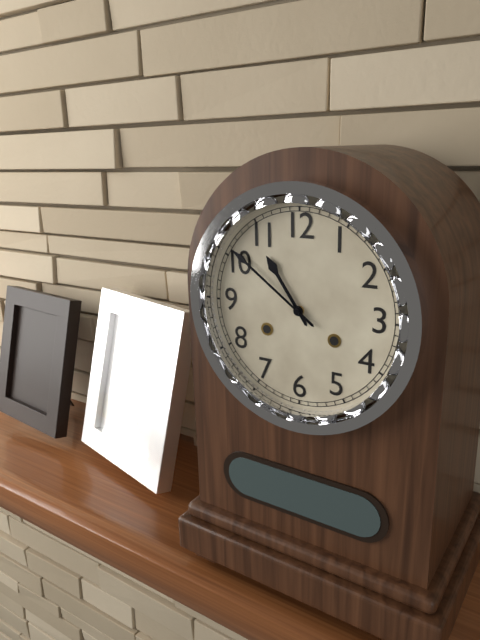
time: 10:51
